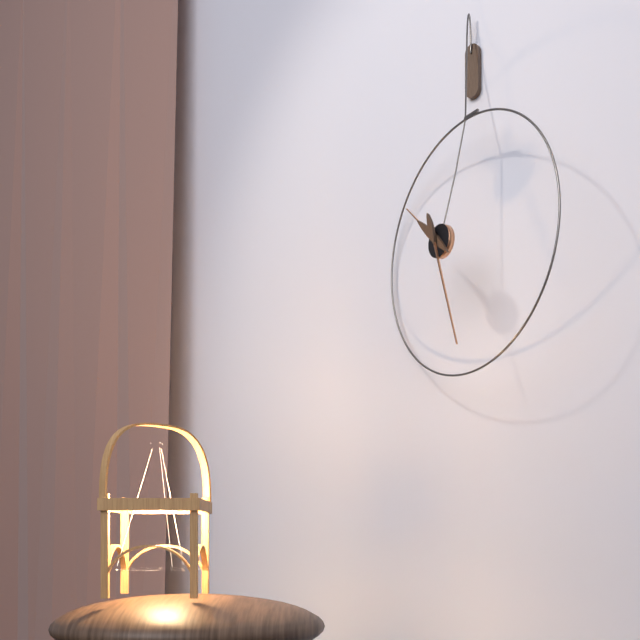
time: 10:27
